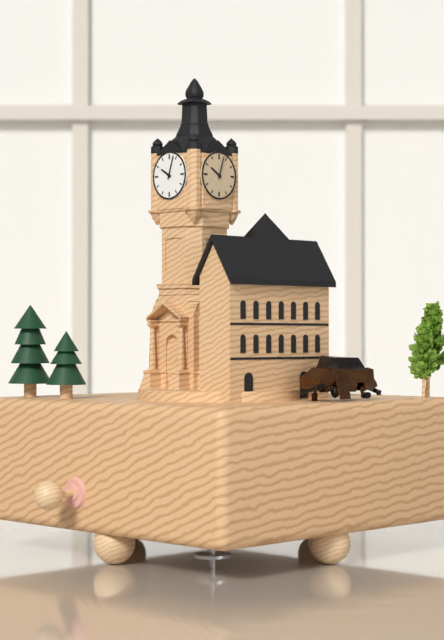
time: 10:03
